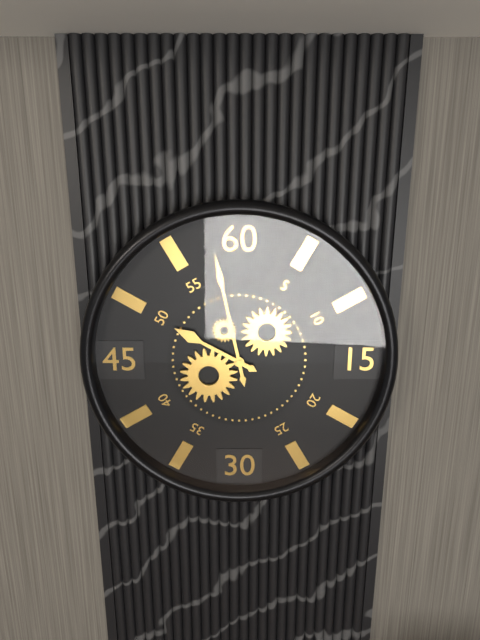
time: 9:58
